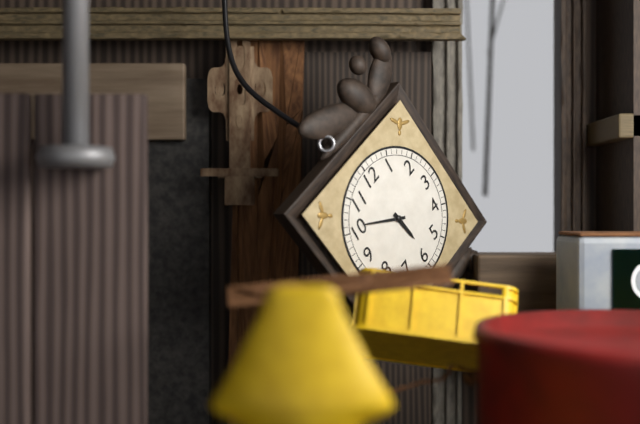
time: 5:51
